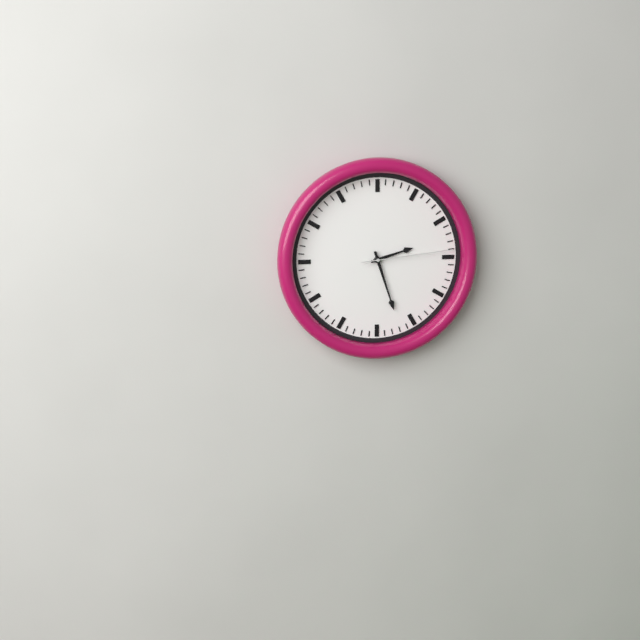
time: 2:27:14
